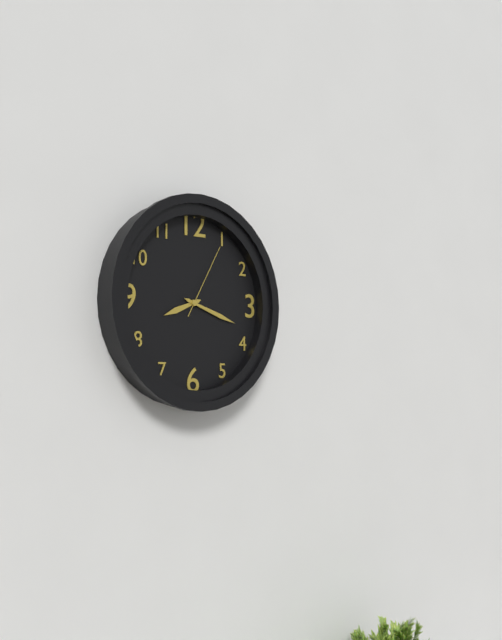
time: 8:18:05
